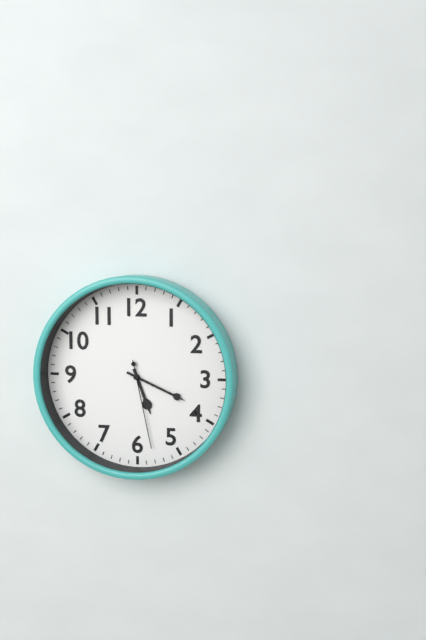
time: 5:19:28
